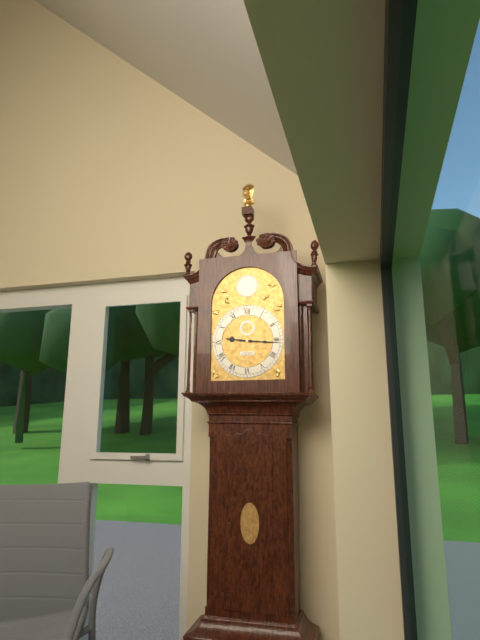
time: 9:16
